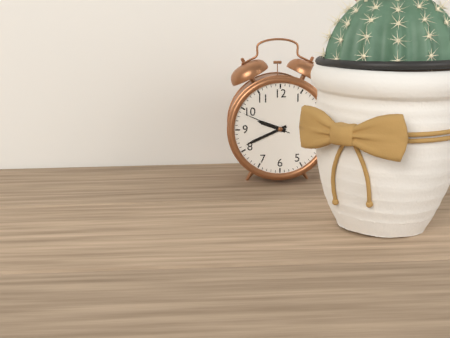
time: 9:41:49
